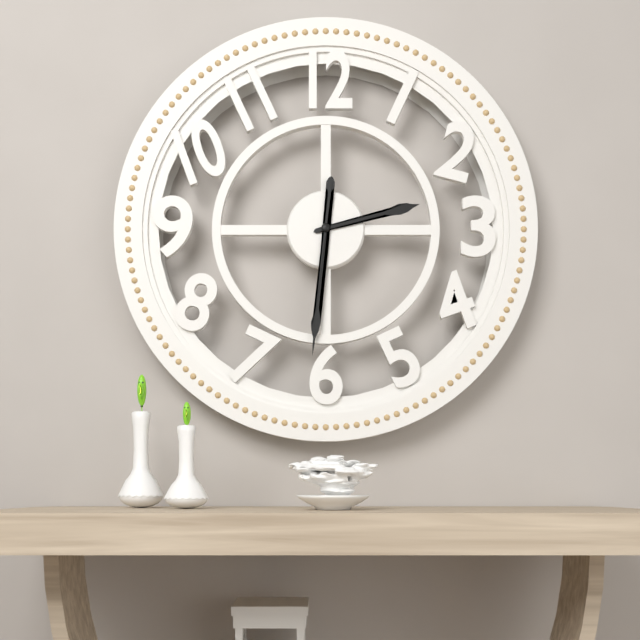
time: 2:31
